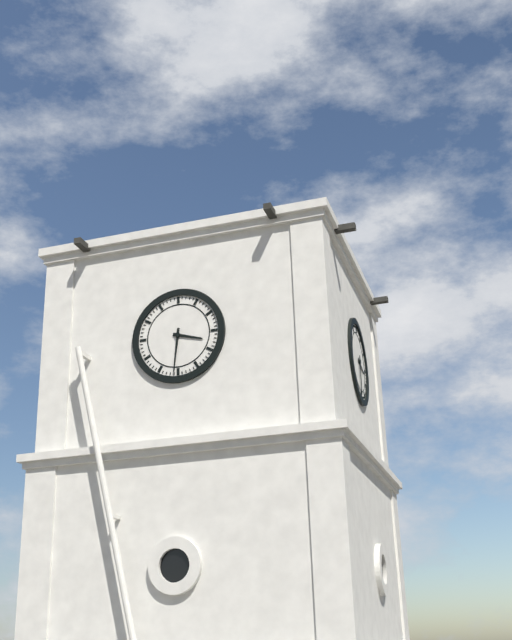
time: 3:31
